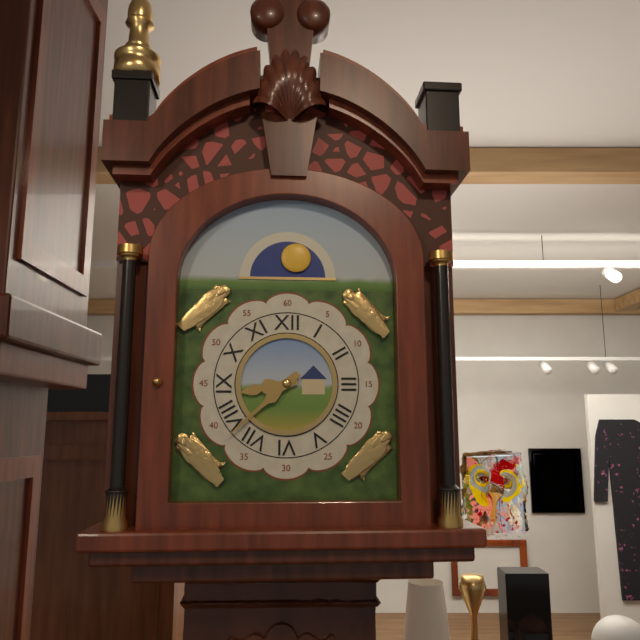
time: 8:38
